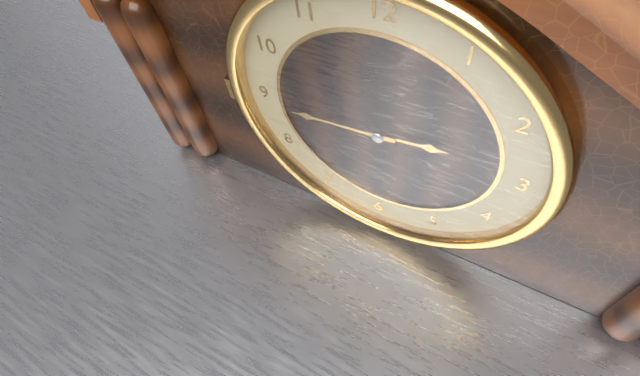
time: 2:44
